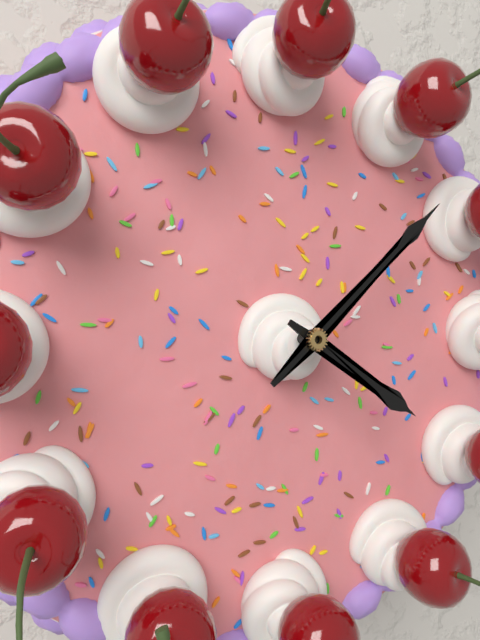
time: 4:08
